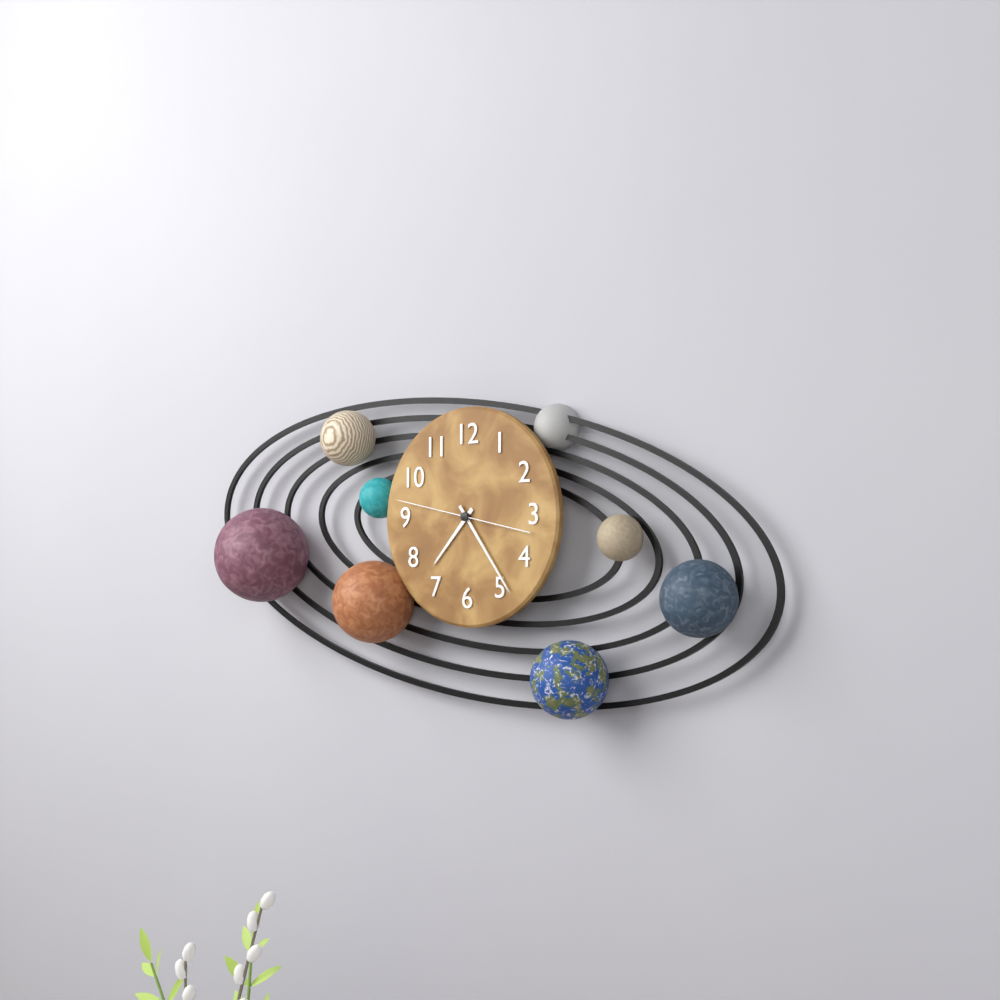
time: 7:24:47
